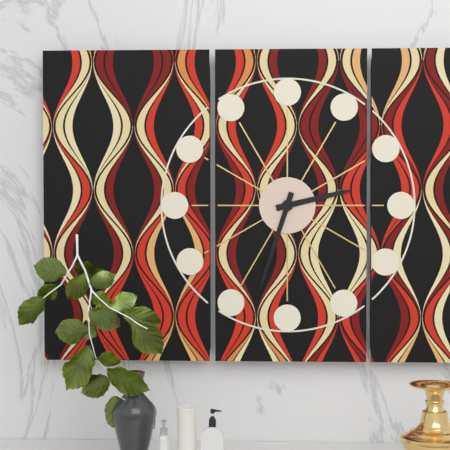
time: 2:33
